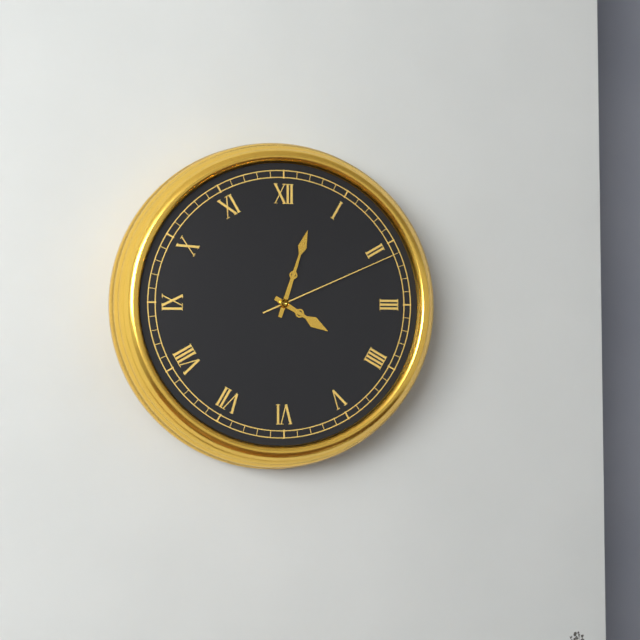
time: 4:03:11
